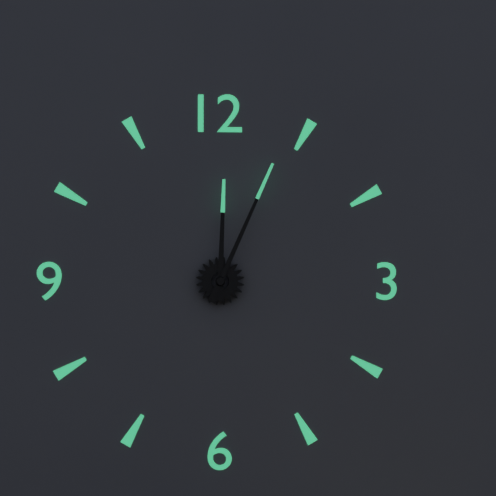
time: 12:04
